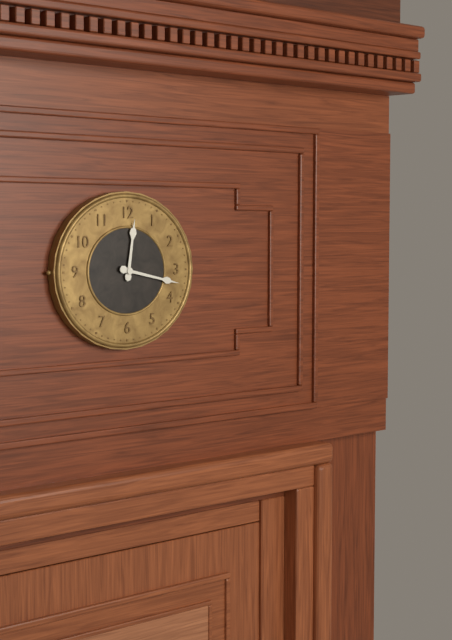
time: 12:17
